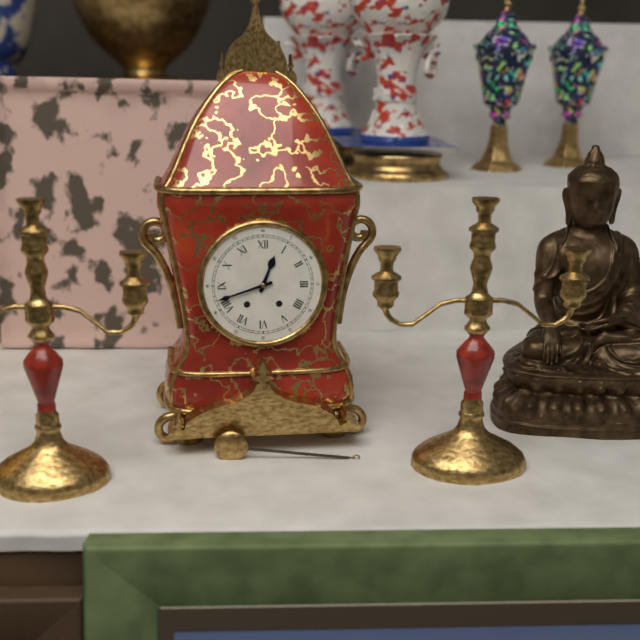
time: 12:42
